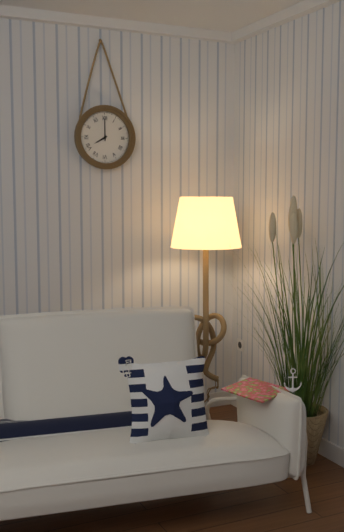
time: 8:00
